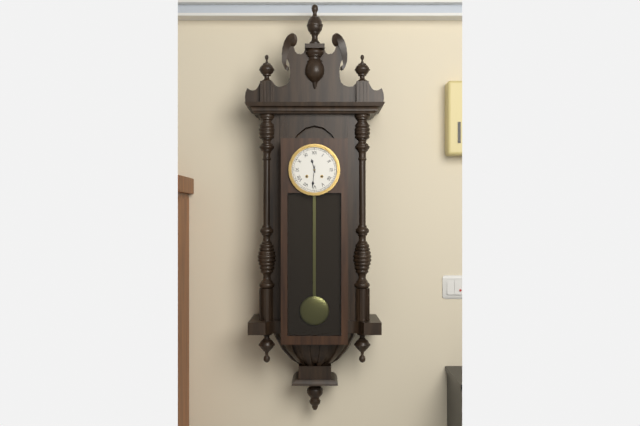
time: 11:31
